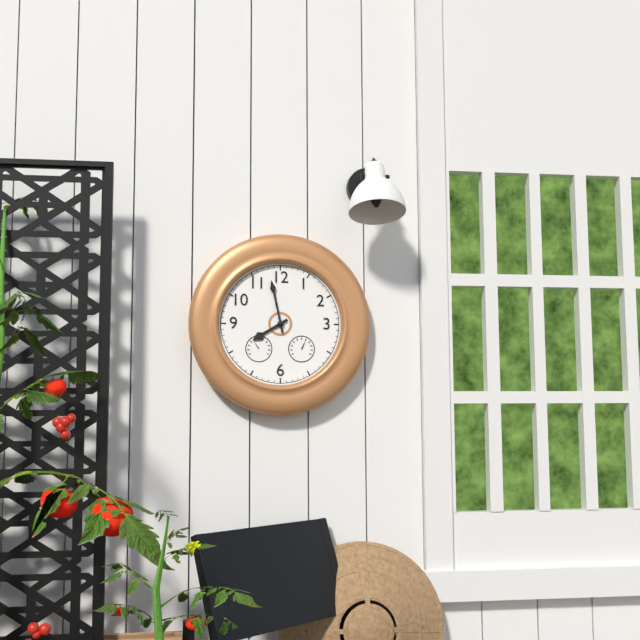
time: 7:58
